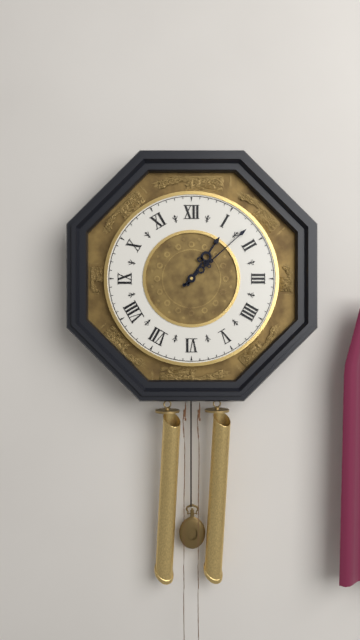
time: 1:08
